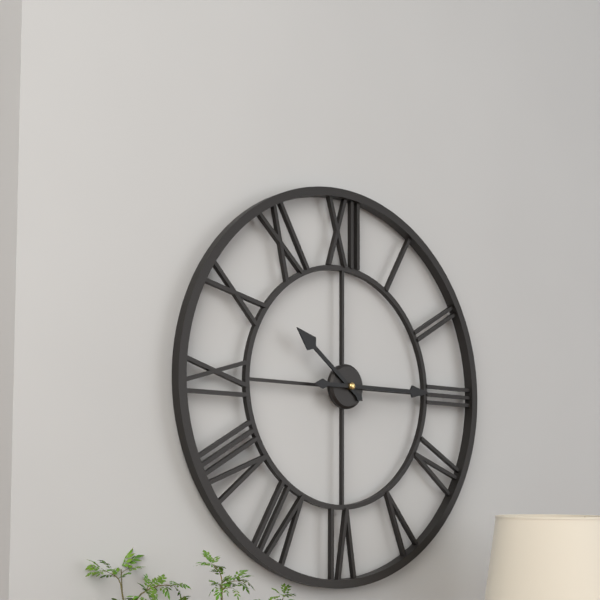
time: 10:15
